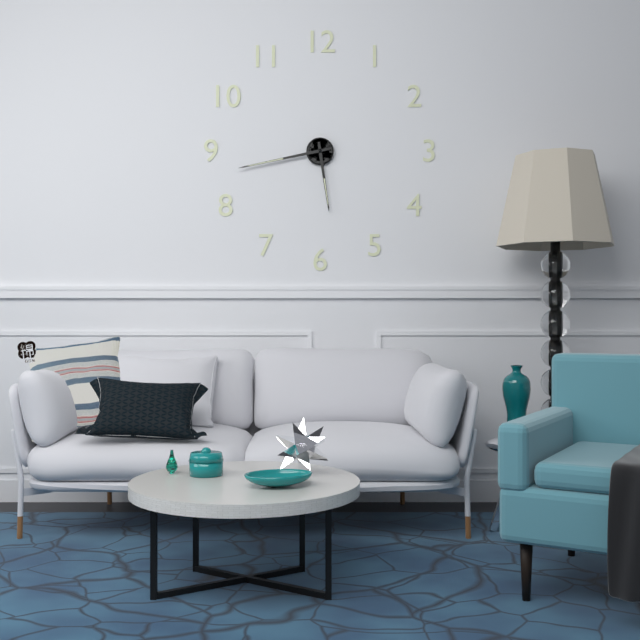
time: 5:43
